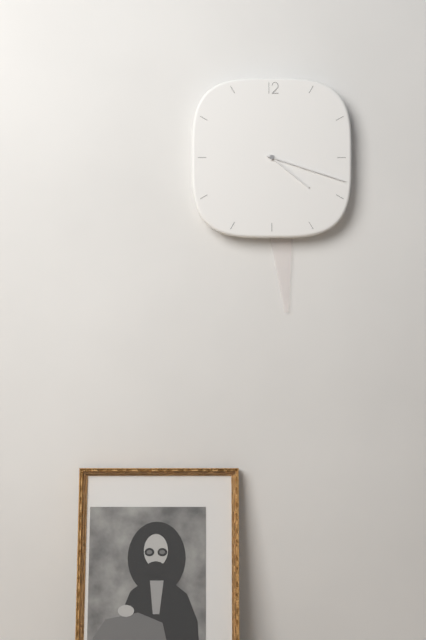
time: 4:18
